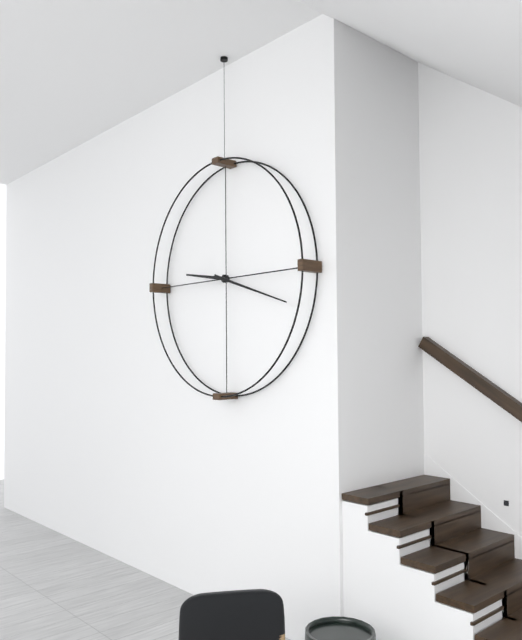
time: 9:18
